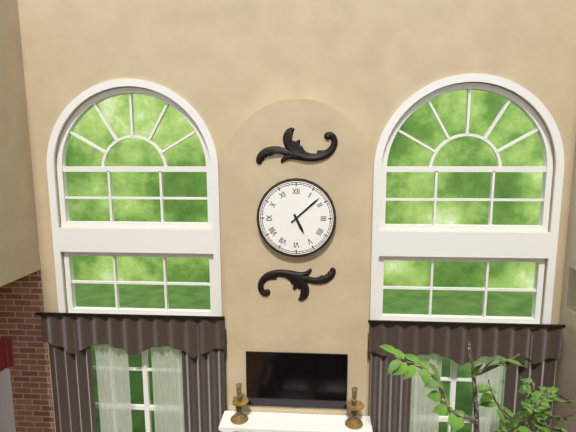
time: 5:08
